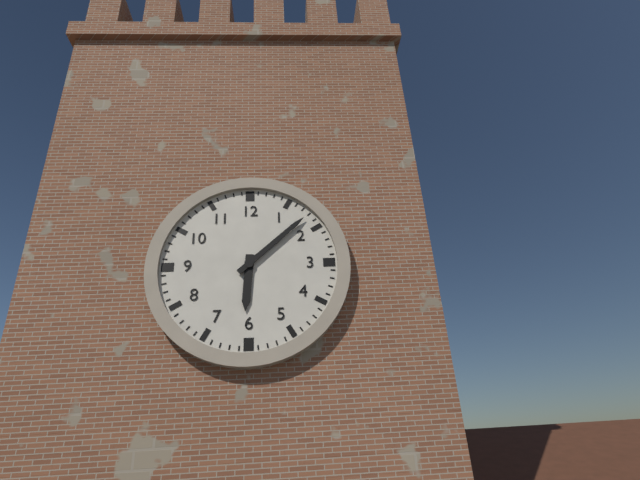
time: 6:08
